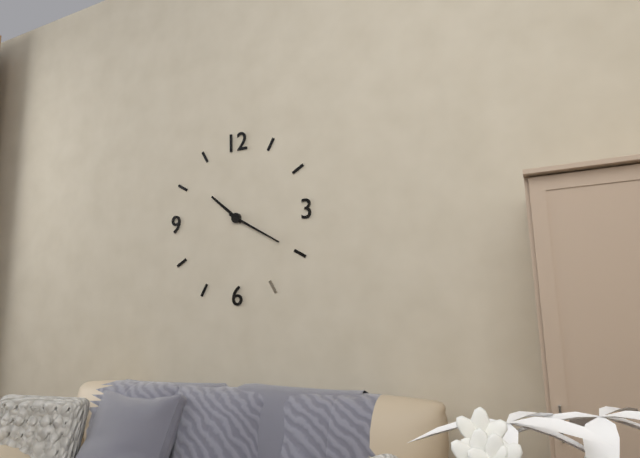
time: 10:20
